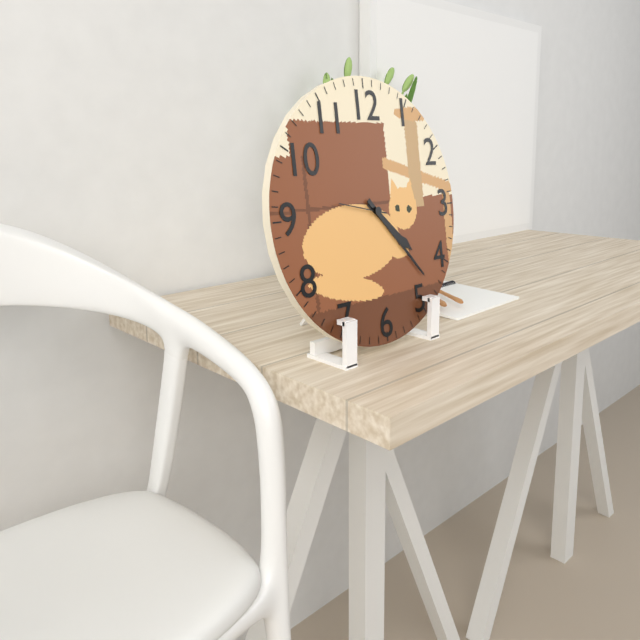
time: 4:23
